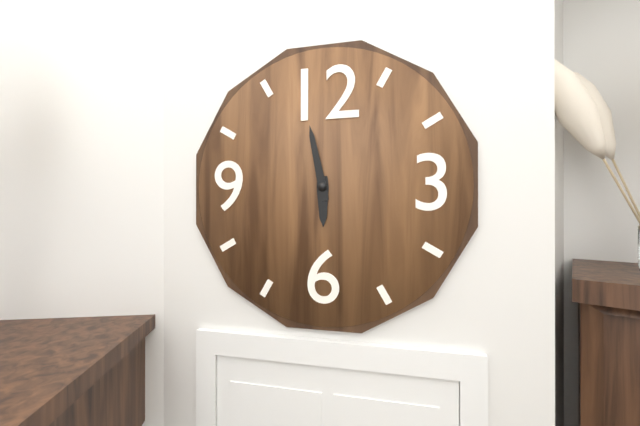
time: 5:58
